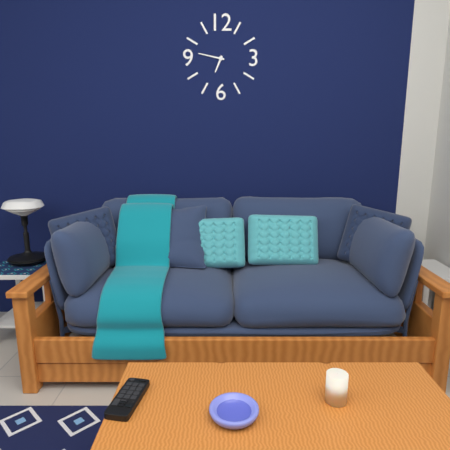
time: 6:47
